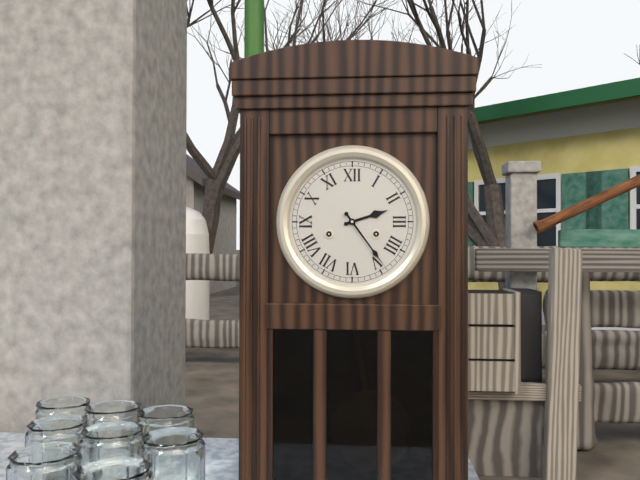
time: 2:24
